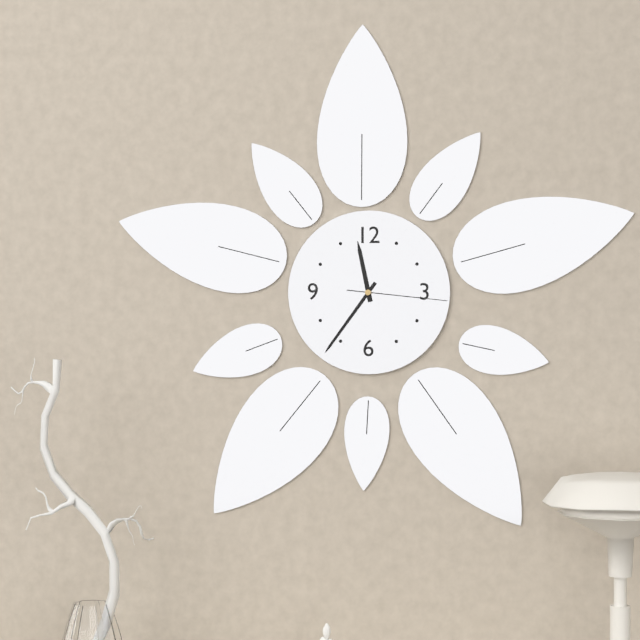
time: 11:36:16
